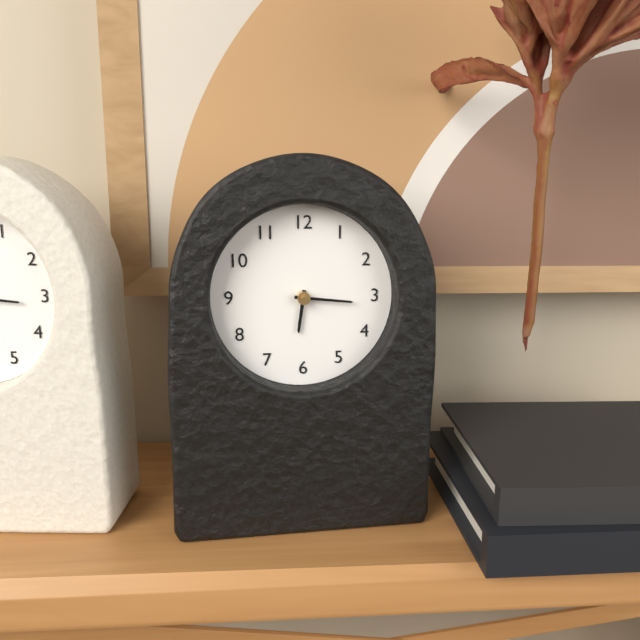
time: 6:16
